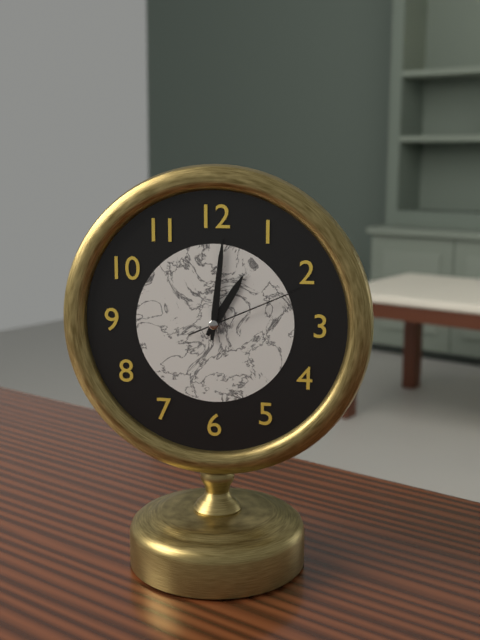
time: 1:01:11
